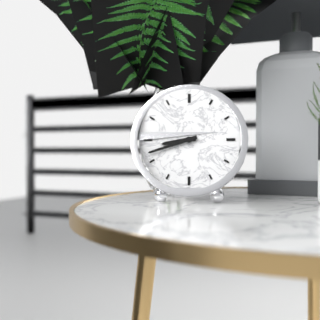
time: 8:42
